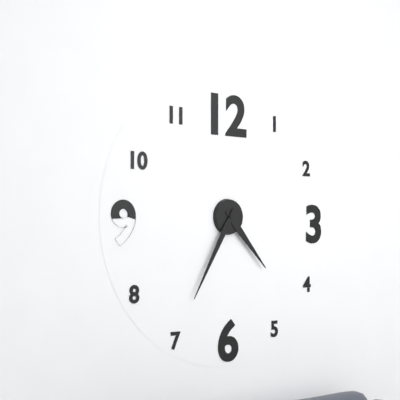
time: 4:35
